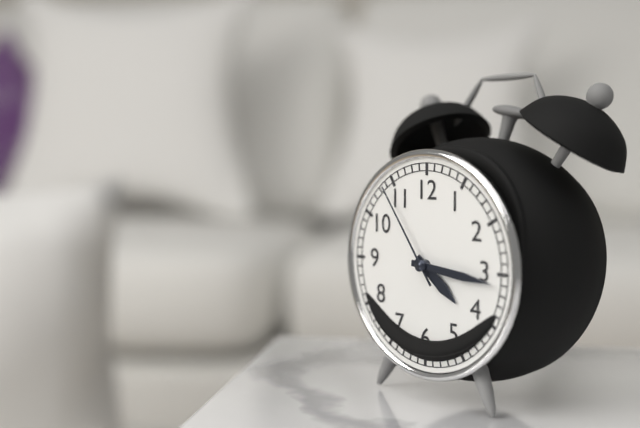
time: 4:16:54
